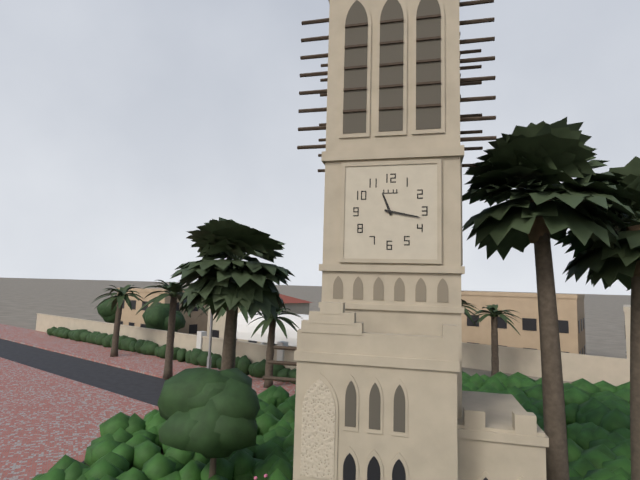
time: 11:17
